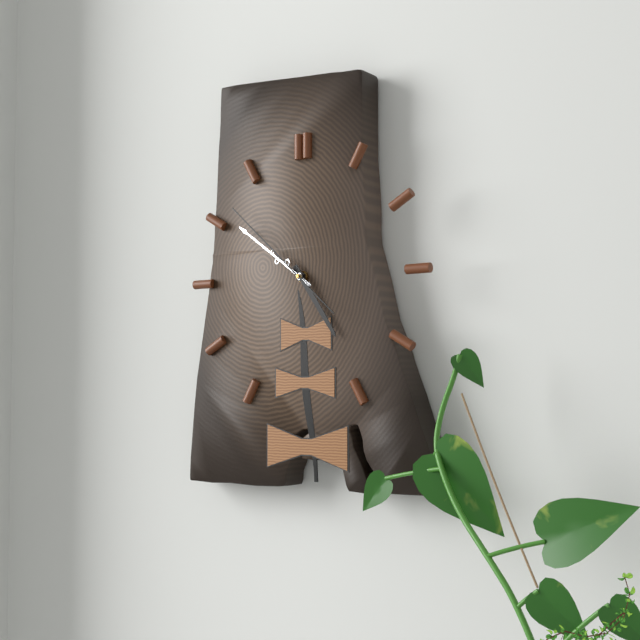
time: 4:51:52
